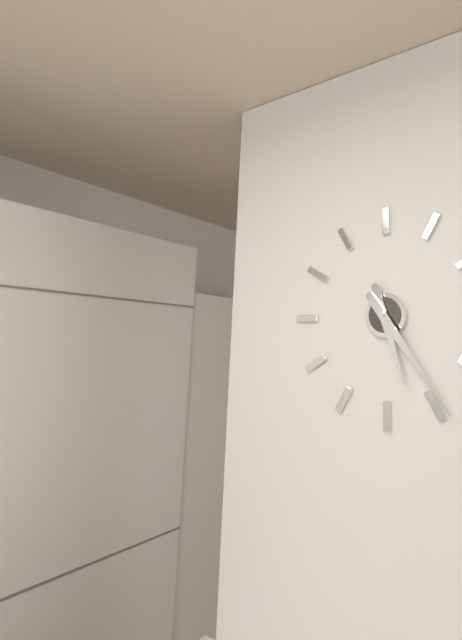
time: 5:24
